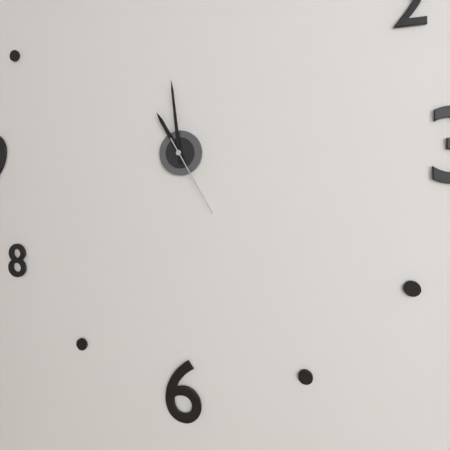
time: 10:59:25
